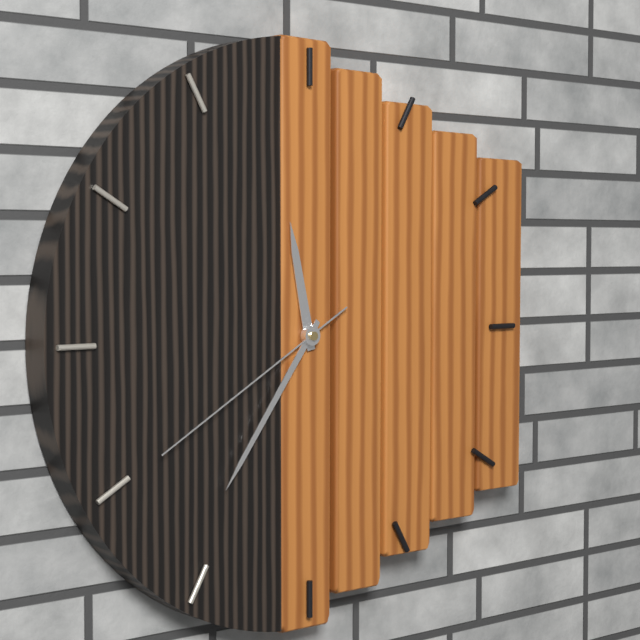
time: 11:36:40
